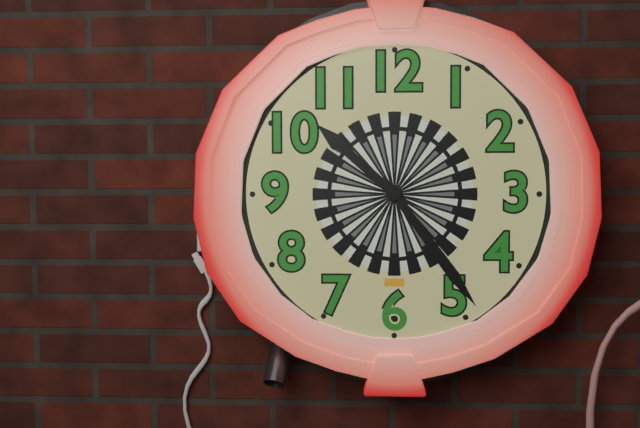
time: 10:24
